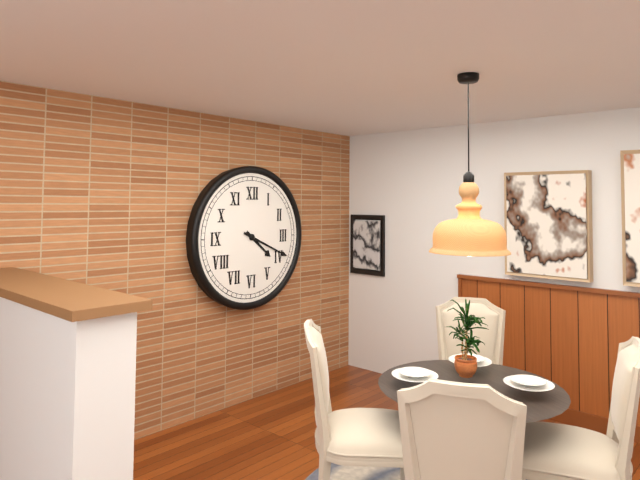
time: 4:19
